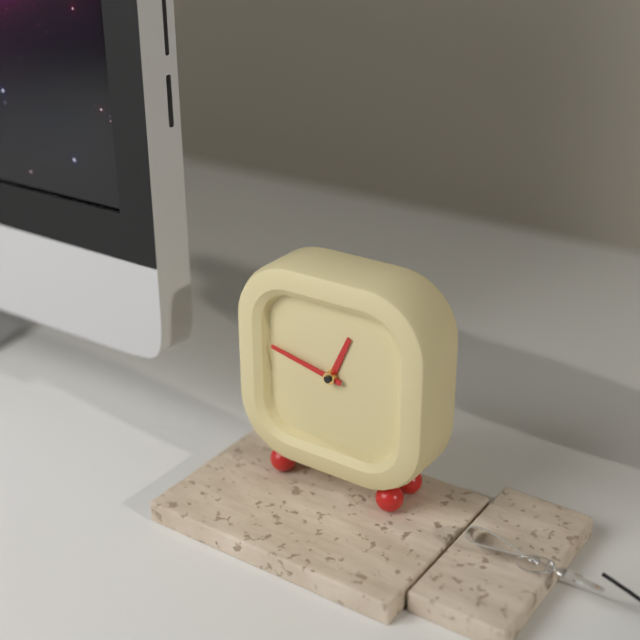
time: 12:47
